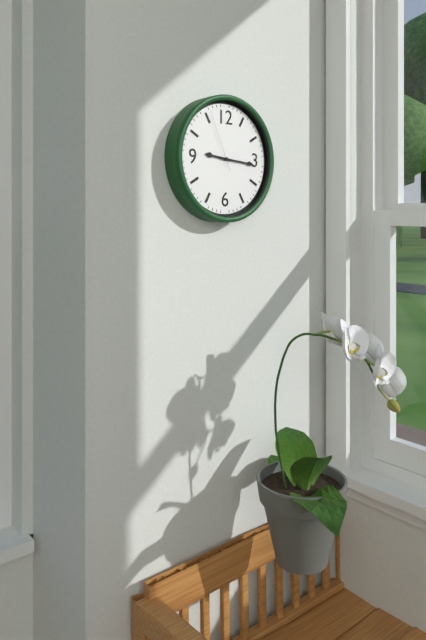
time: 9:16:56
